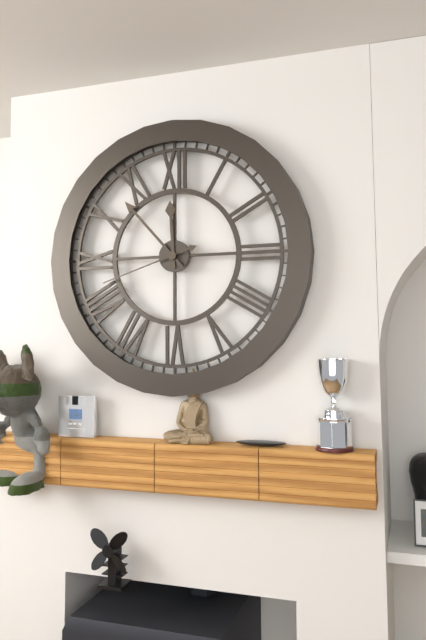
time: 11:53:42
